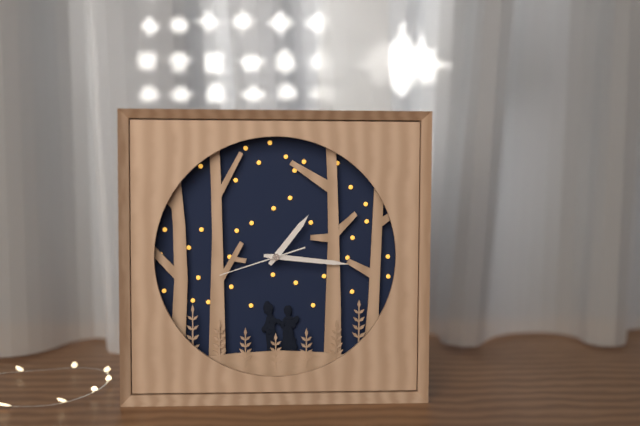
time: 1:16:42
